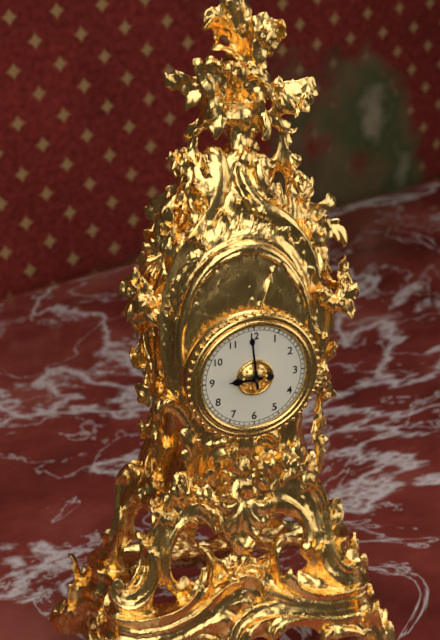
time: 8:59
